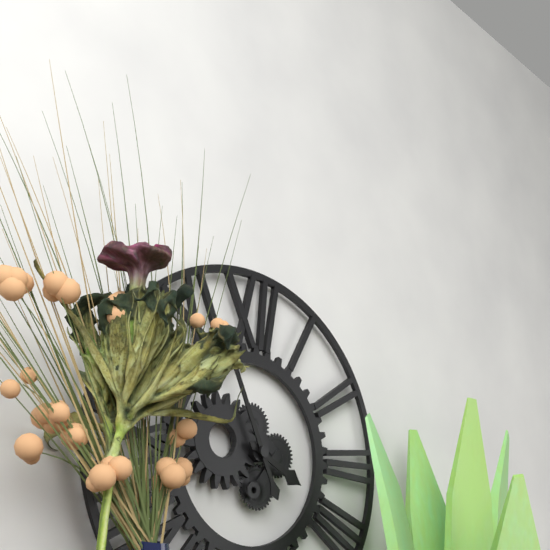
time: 3:56
